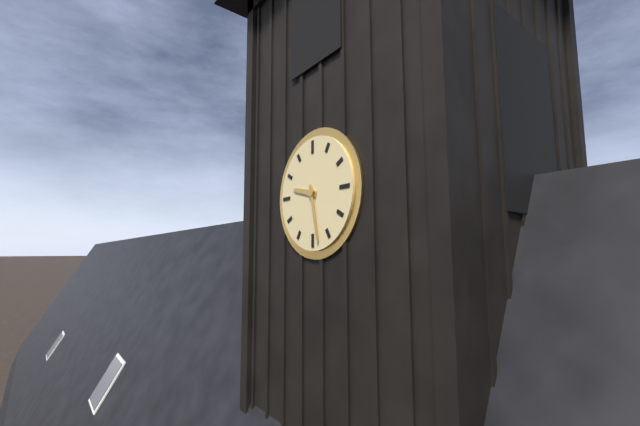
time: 9:28
